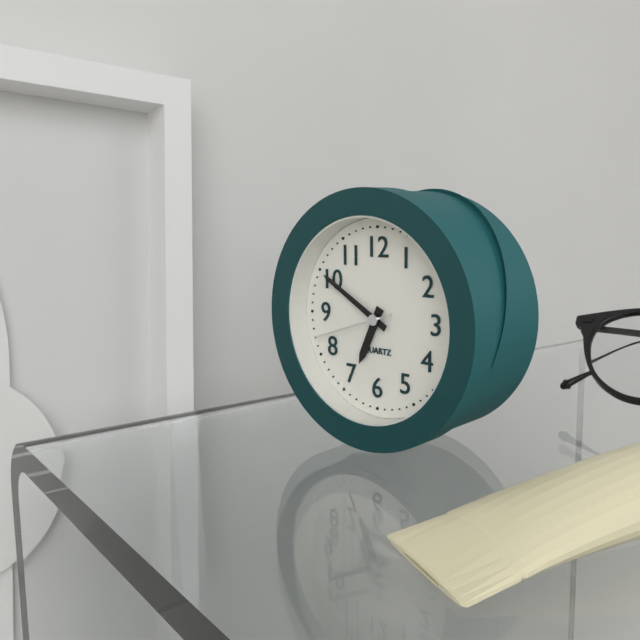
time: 6:50:42
